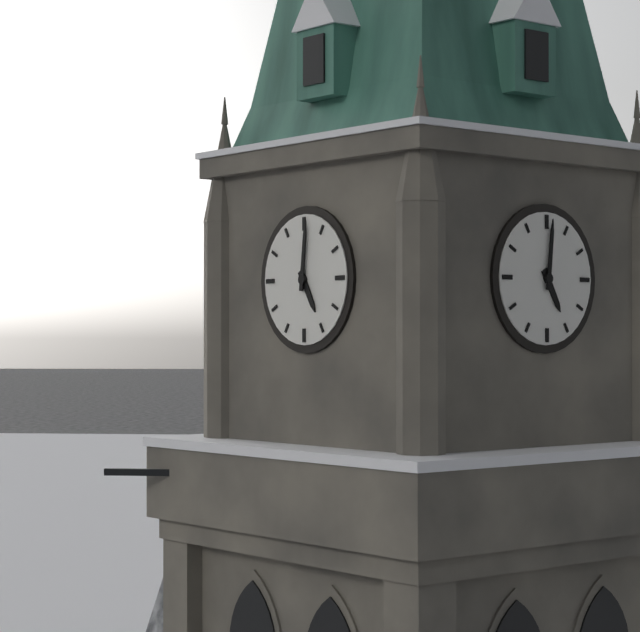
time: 5:01
